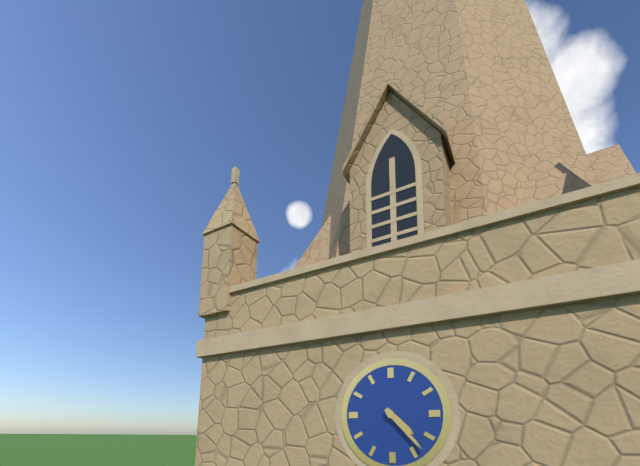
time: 4:23
